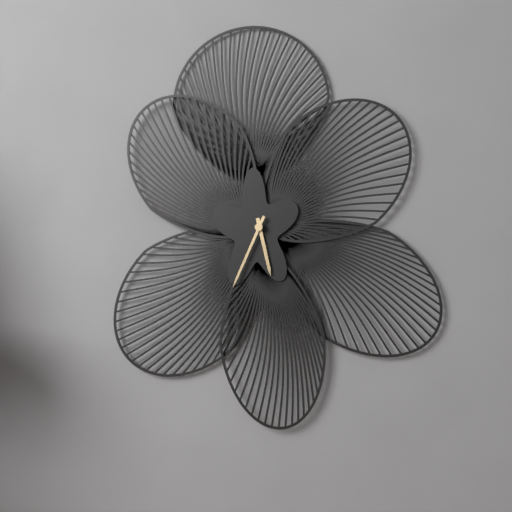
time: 5:34
